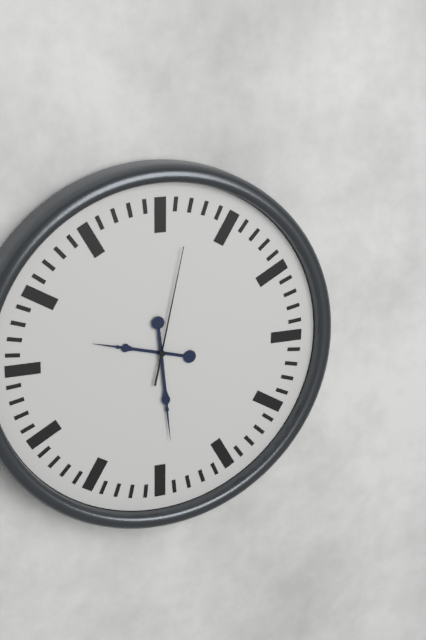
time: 9:29:02
